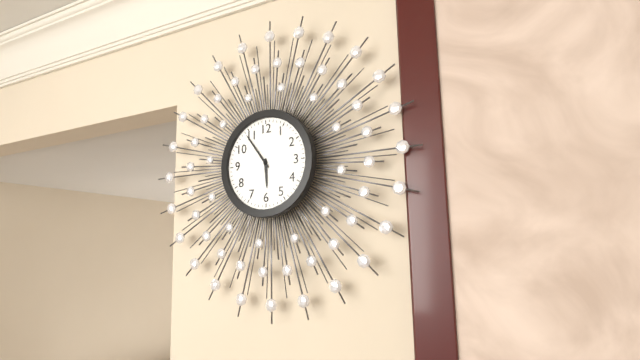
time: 5:54
